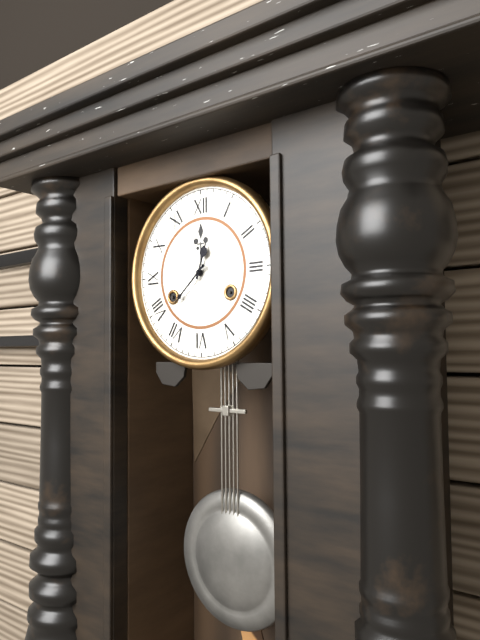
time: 12:38
